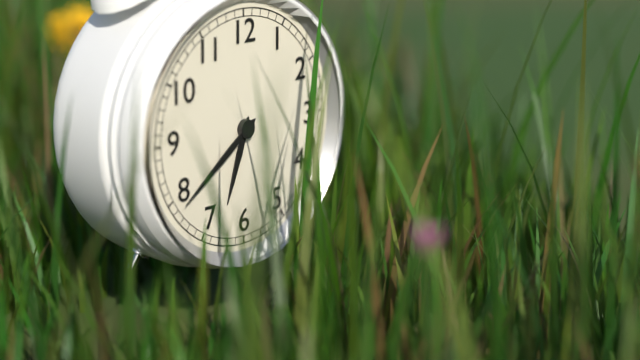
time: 6:39
